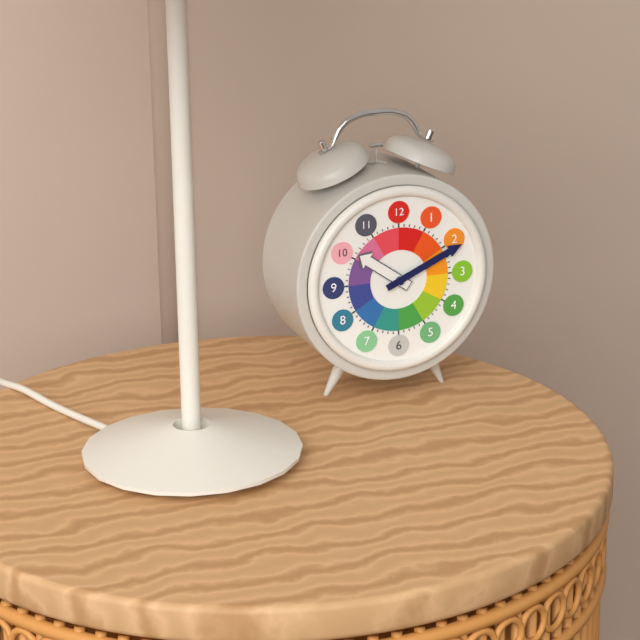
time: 10:11
